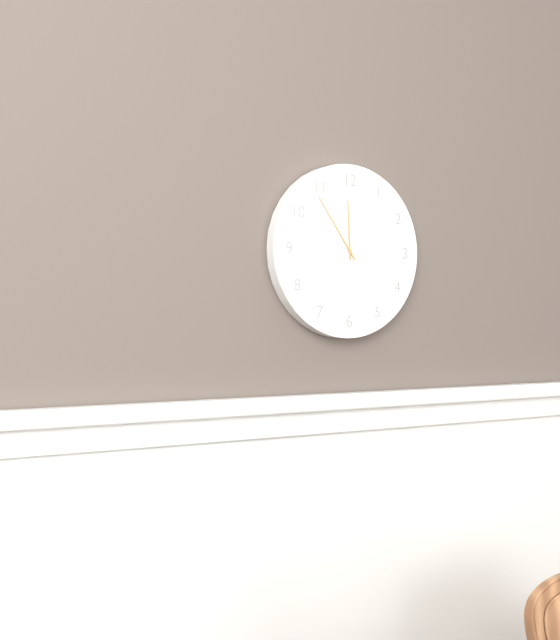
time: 11:54
